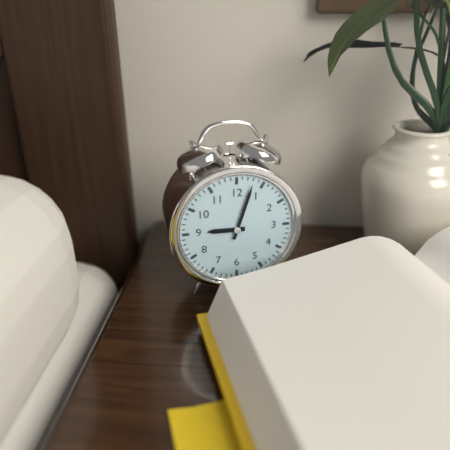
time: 9:03
